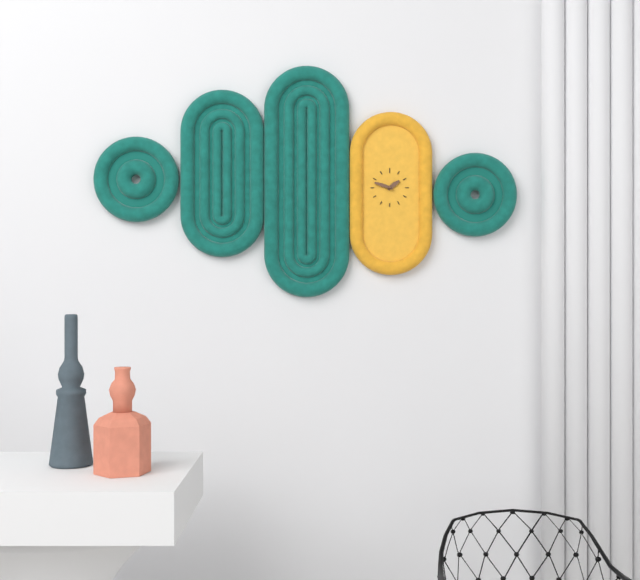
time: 1:48
